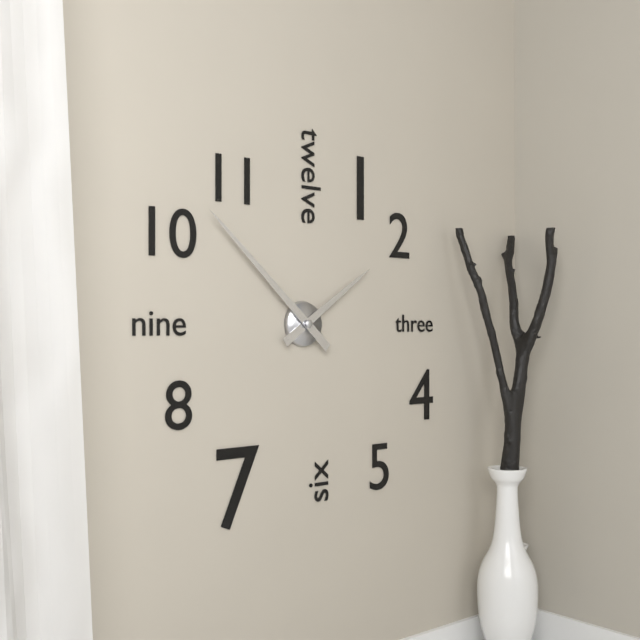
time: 1:52
